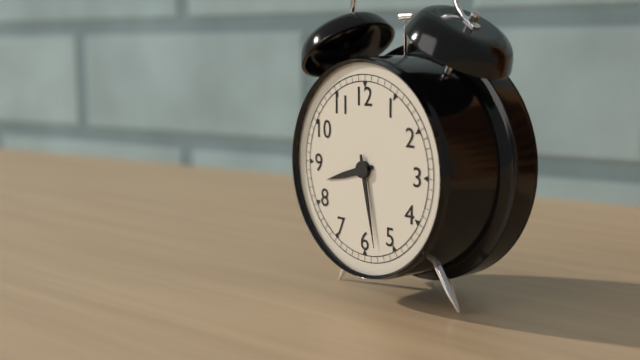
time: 8:28
